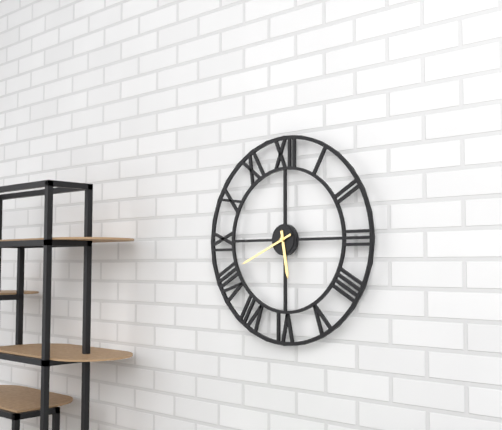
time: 5:41
